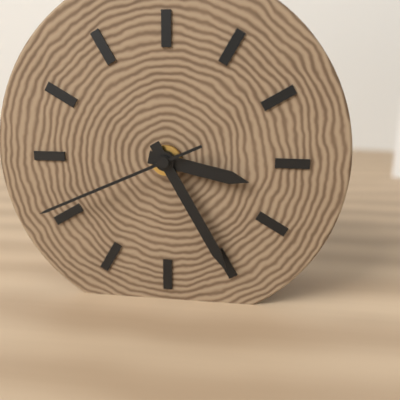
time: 3:25:41
